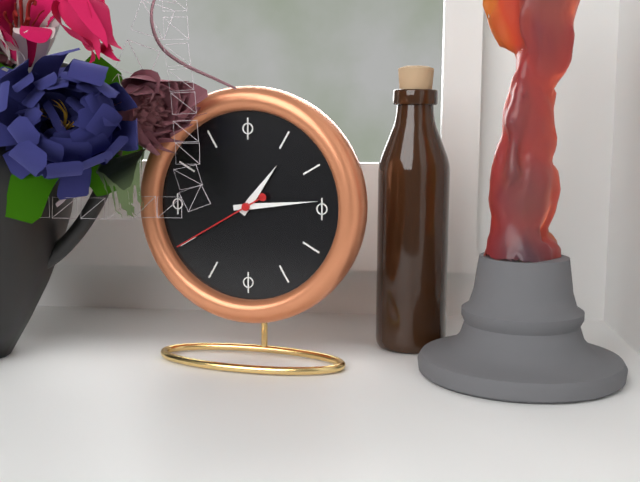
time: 1:14:40
